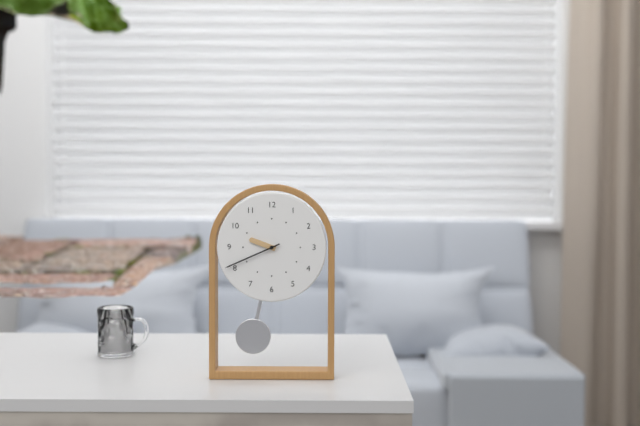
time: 9:41
